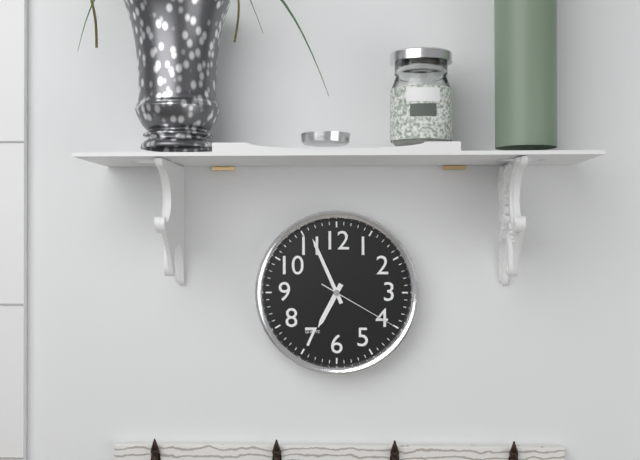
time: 6:56:20
